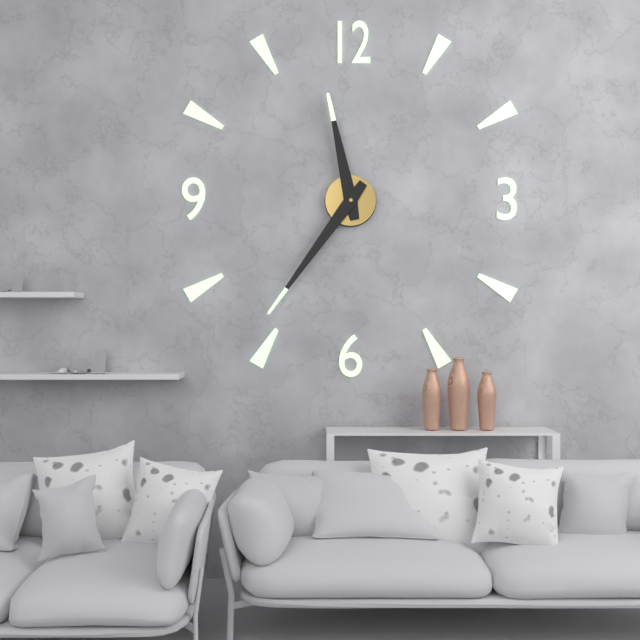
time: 11:36
